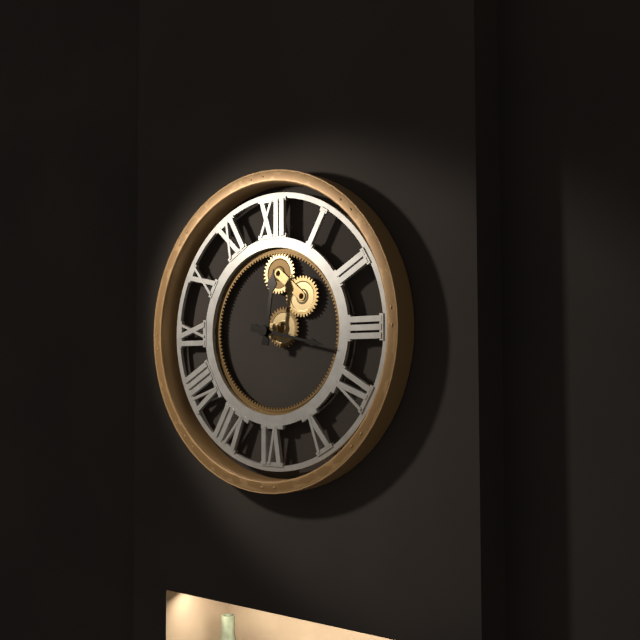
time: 12:17
